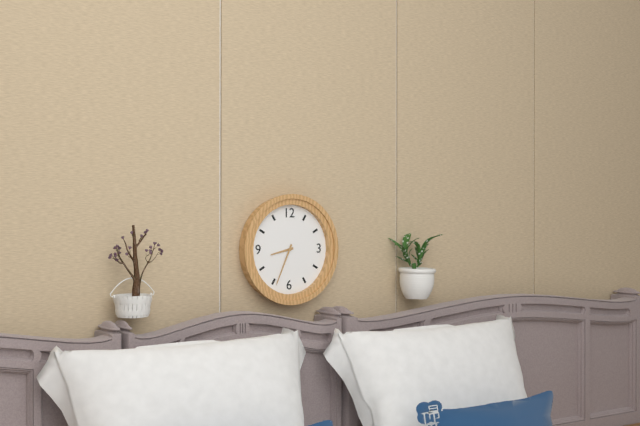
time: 8:34
